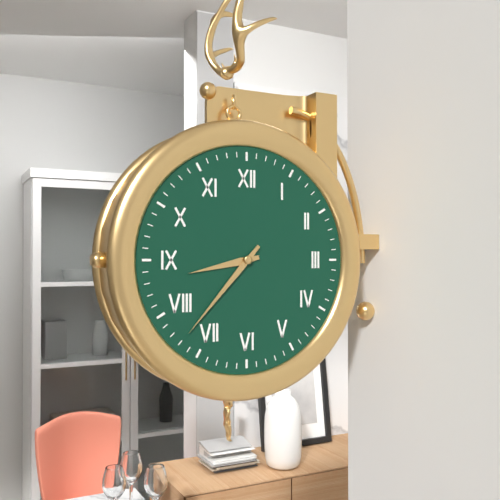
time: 8:37
